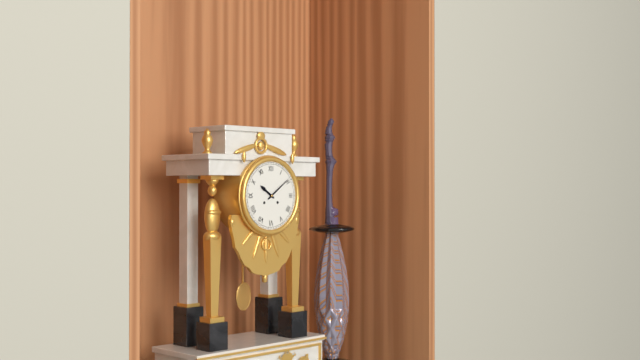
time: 10:09
